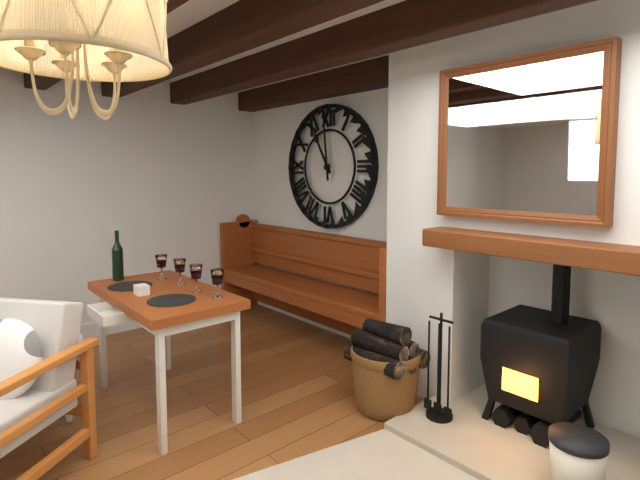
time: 10:59
